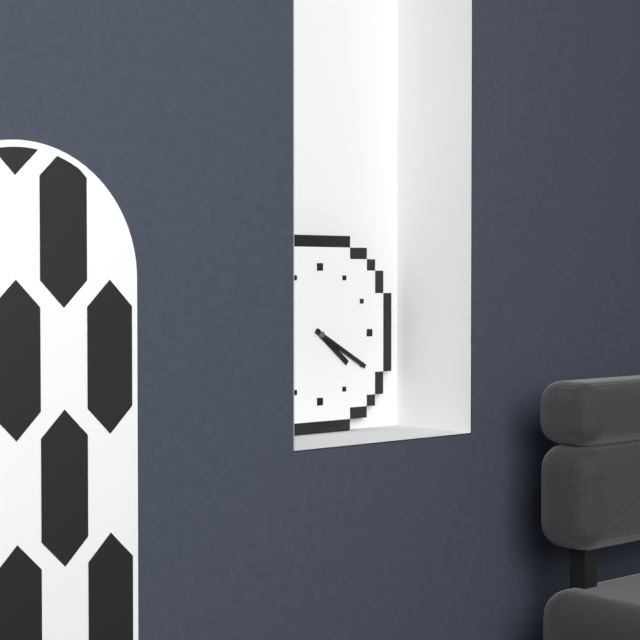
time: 4:20
